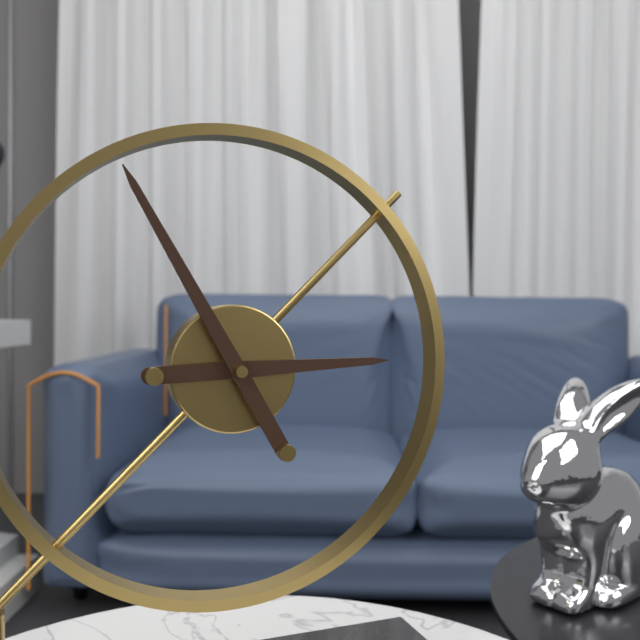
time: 2:55
